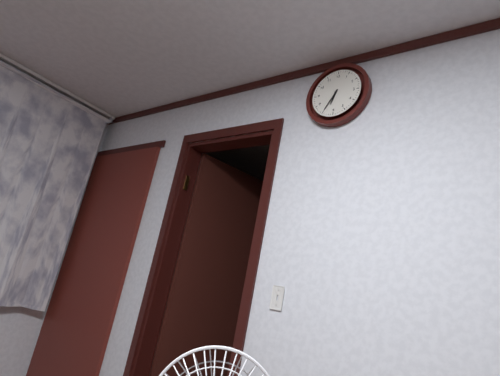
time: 6:35
